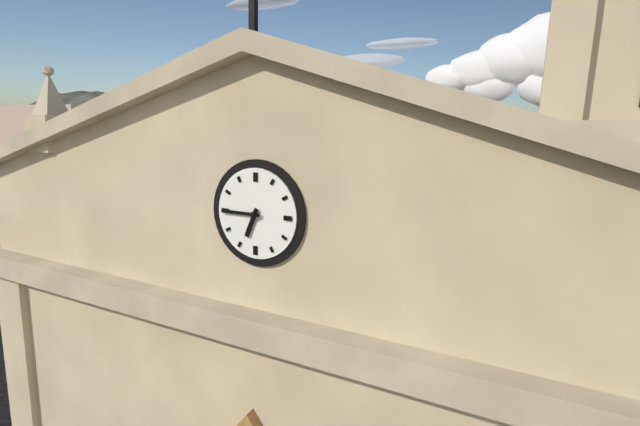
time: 6:45
